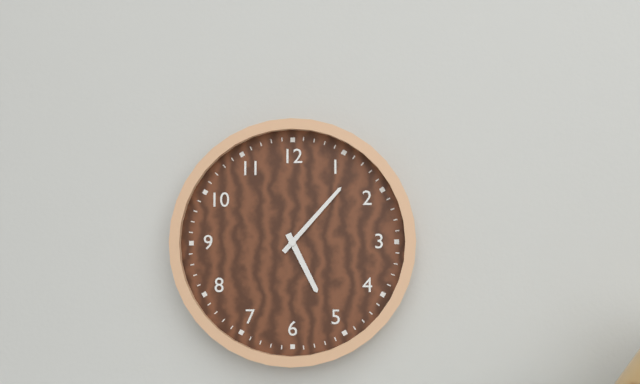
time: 5:07
